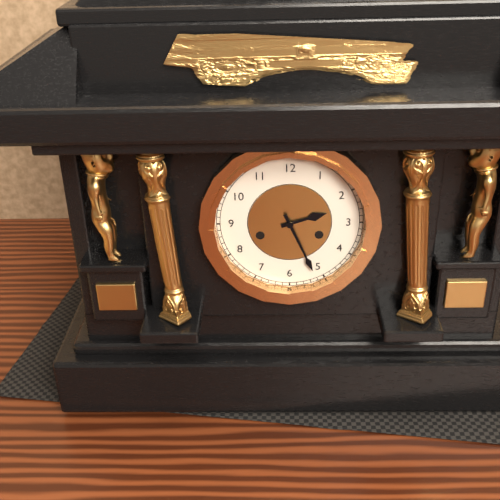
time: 2:26
